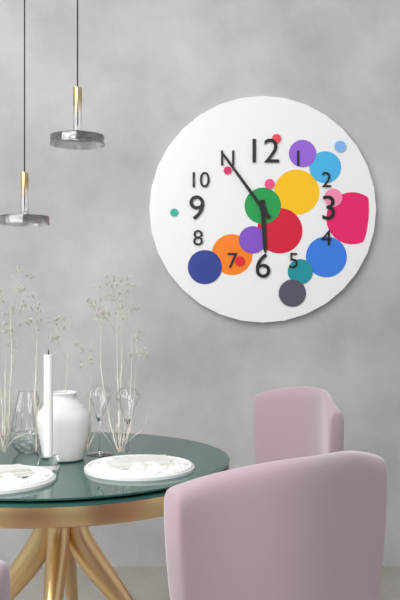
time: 5:54
